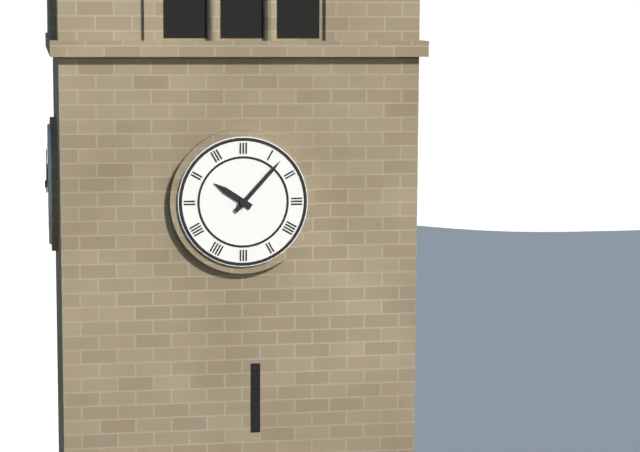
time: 10:07
